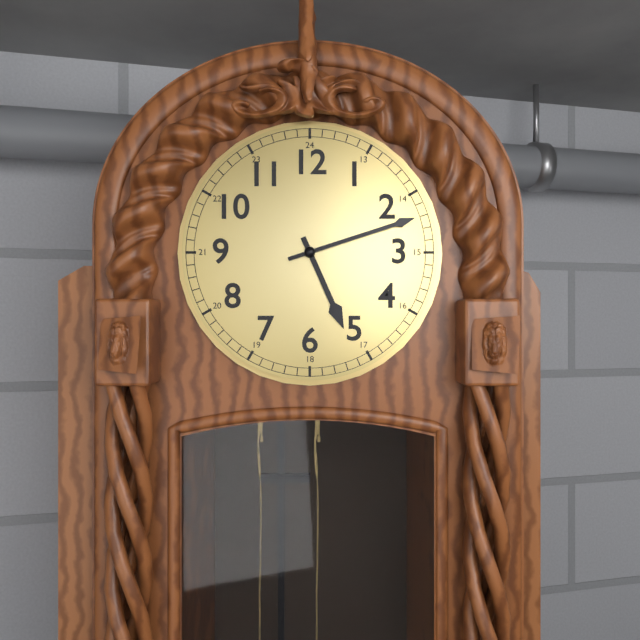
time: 5:12
